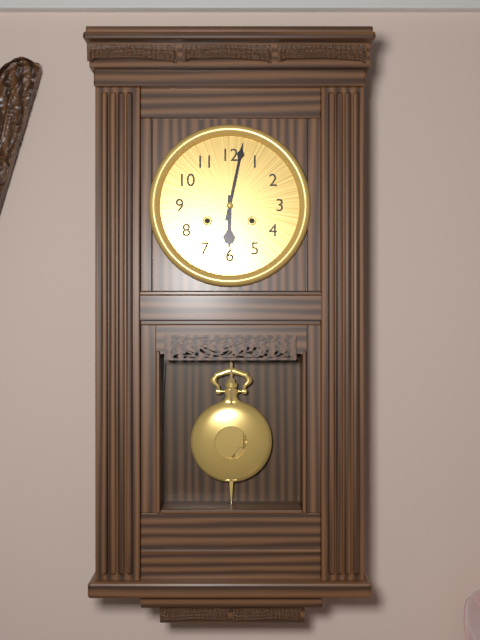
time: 6:02
